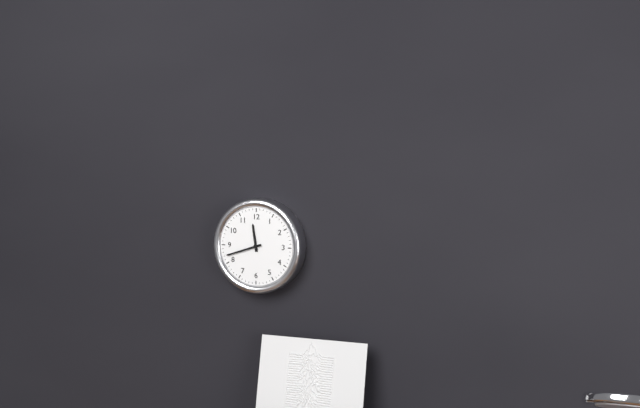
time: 11:42
